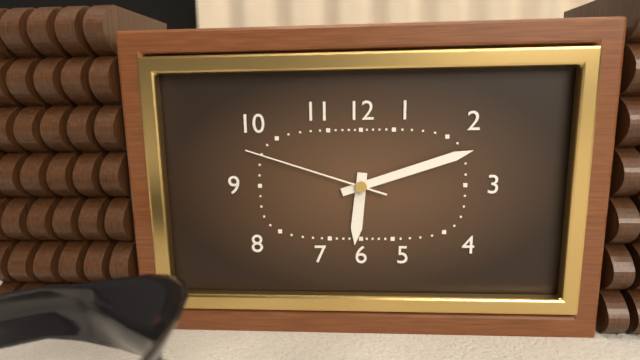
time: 6:12:48
